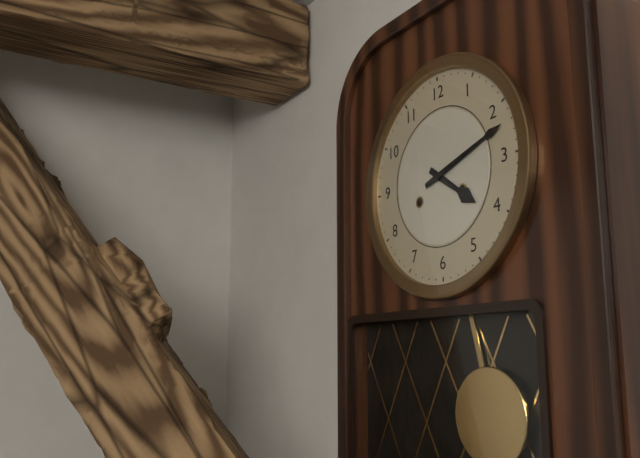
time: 4:12
